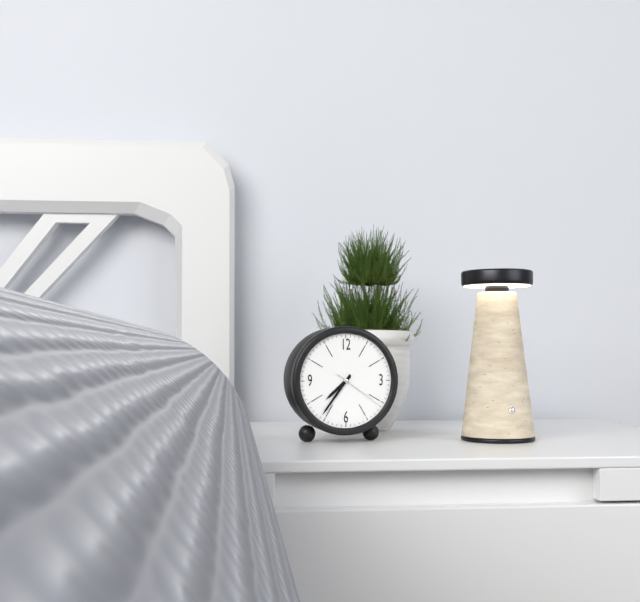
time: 7:36:21
